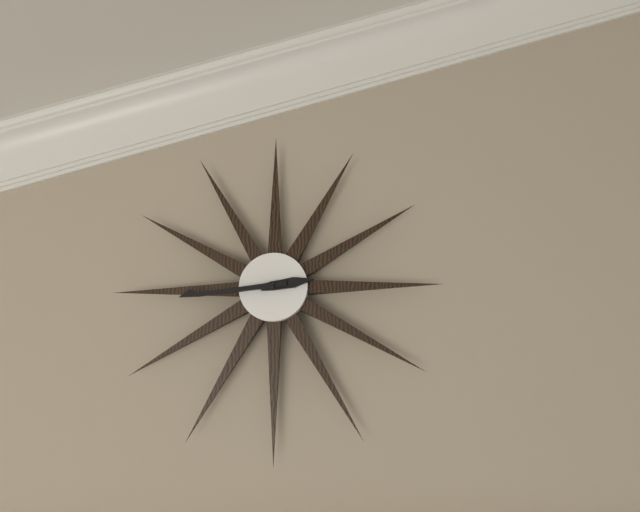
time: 2:44
